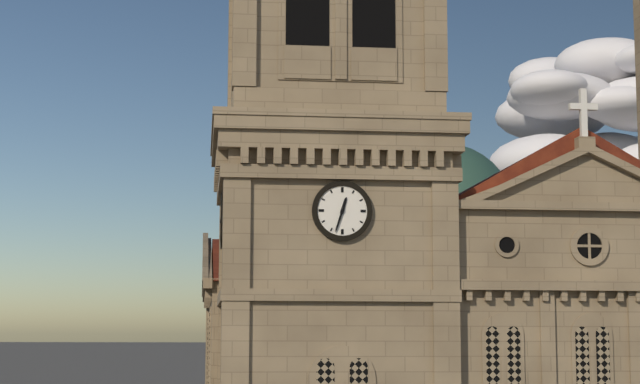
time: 12:33
